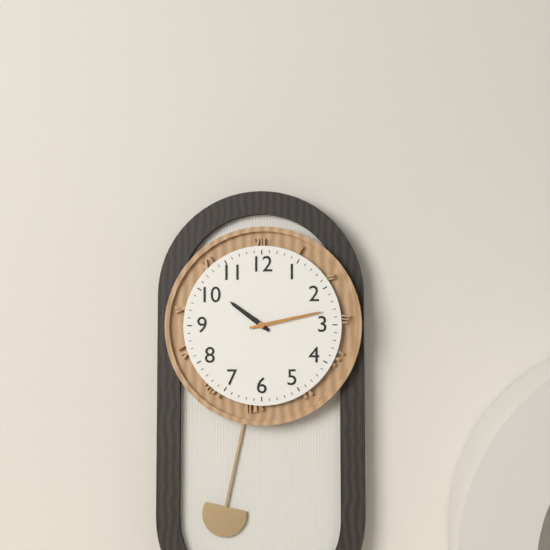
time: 10:13
